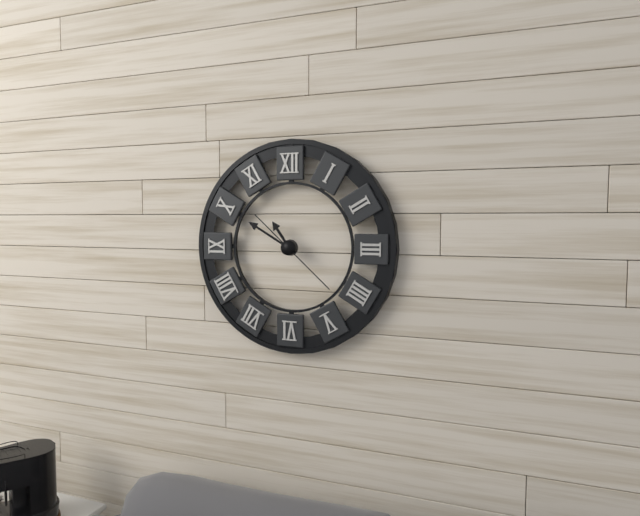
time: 10:50:22
